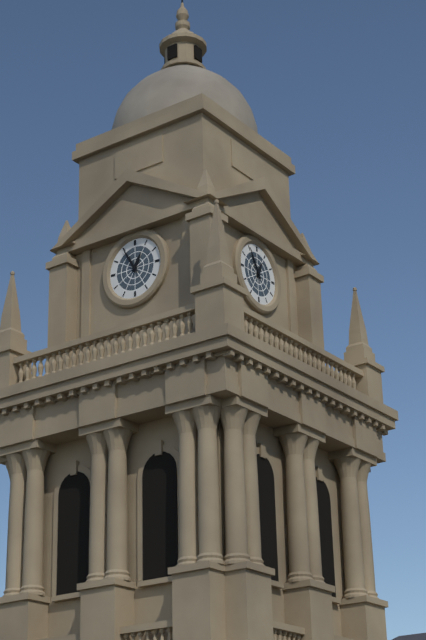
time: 12:55
